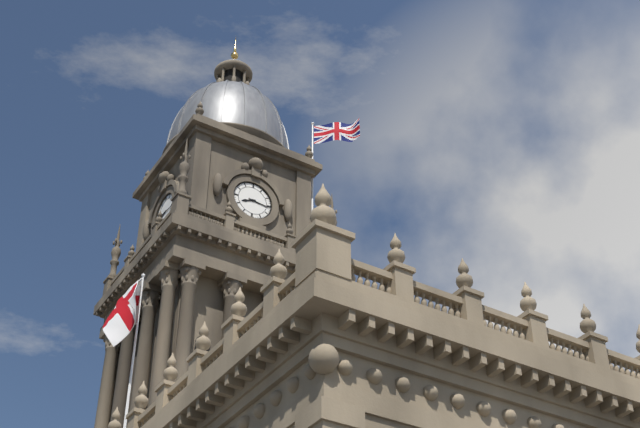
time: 8:16
